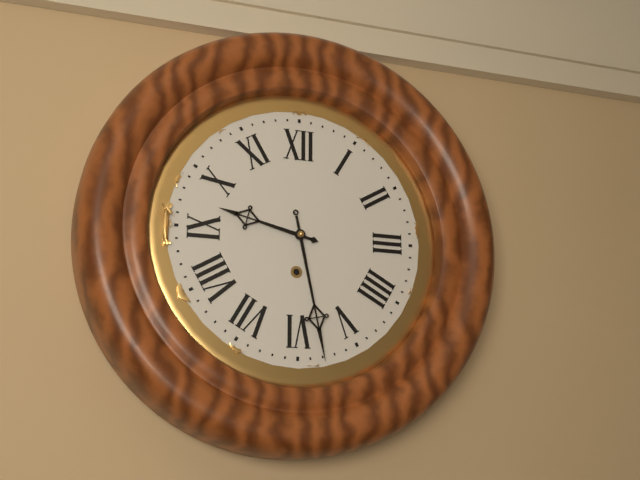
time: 9:28
